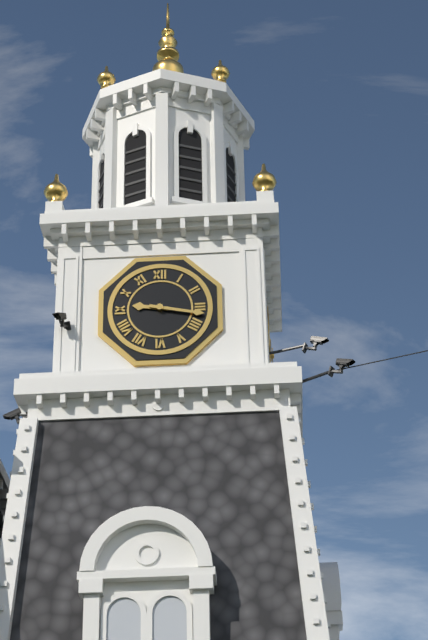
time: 9:17
